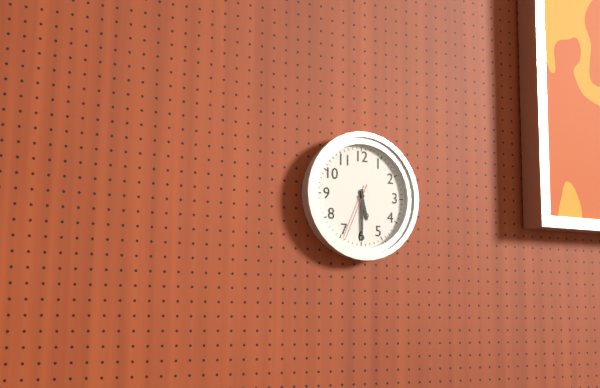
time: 5:30:34
